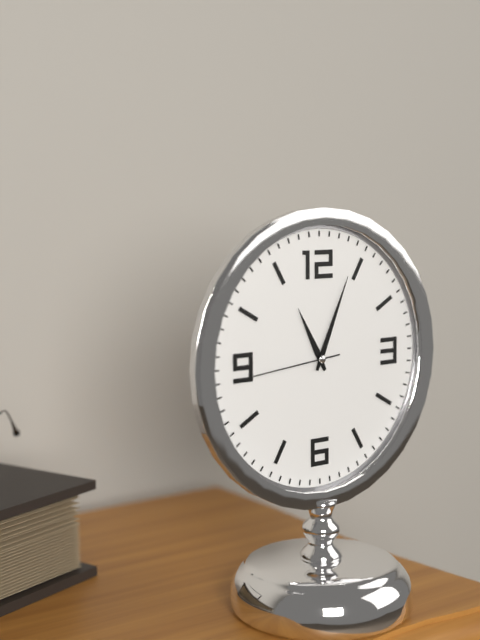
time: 11:04:44
